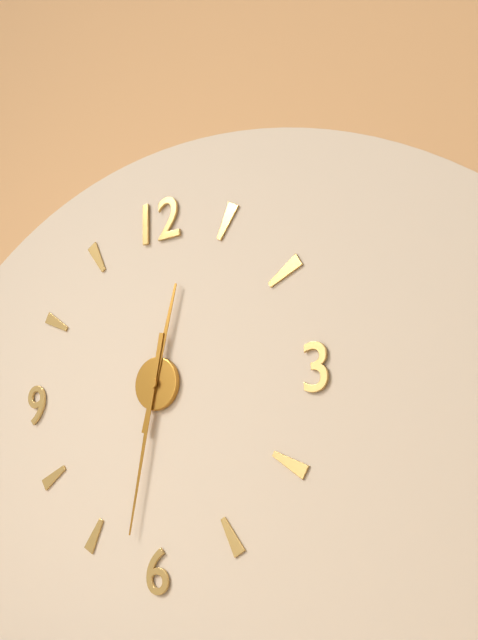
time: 12:32
